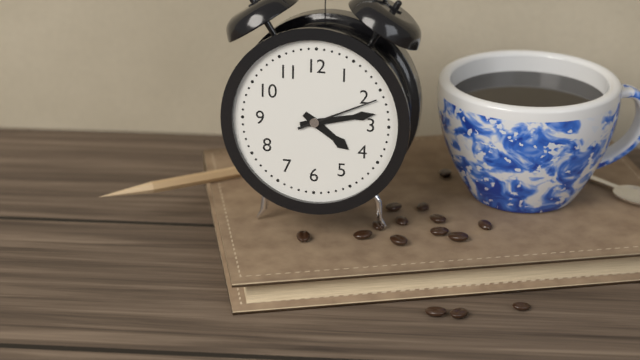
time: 4:13:11
